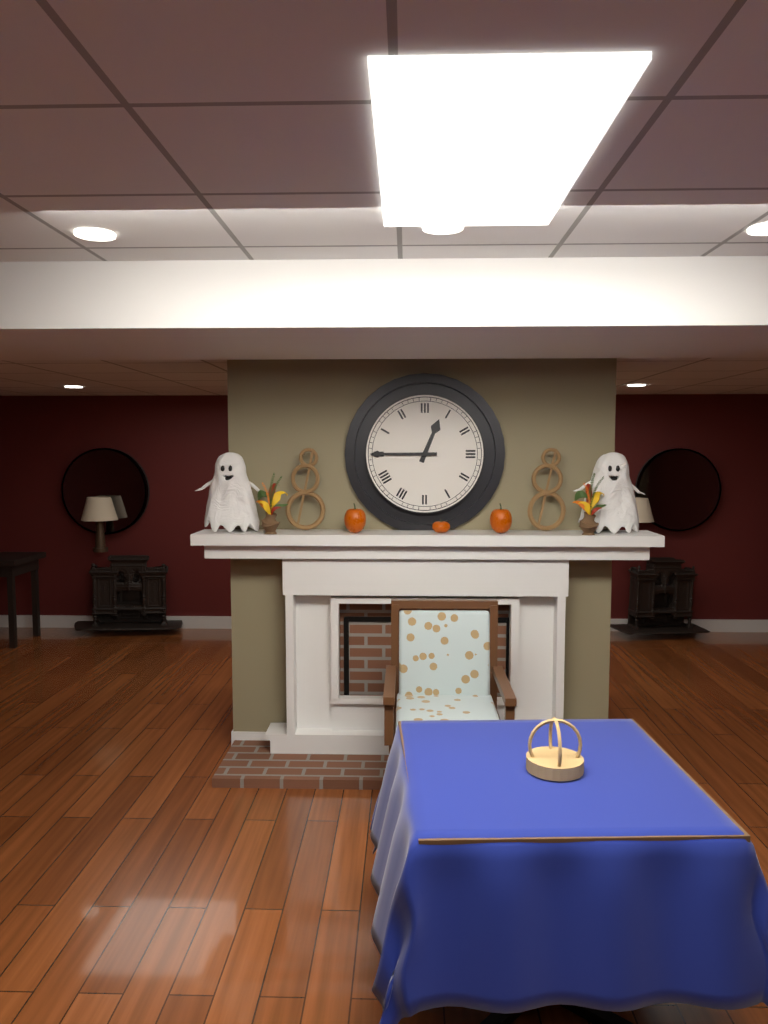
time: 12:45
